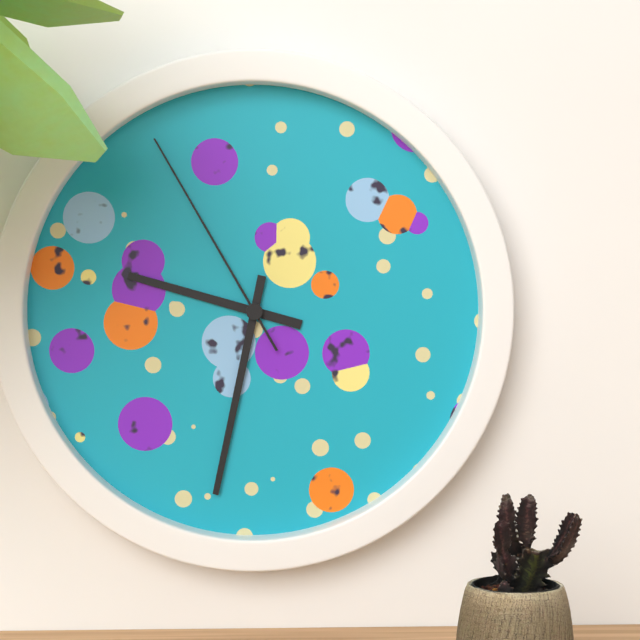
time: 9:32:55
